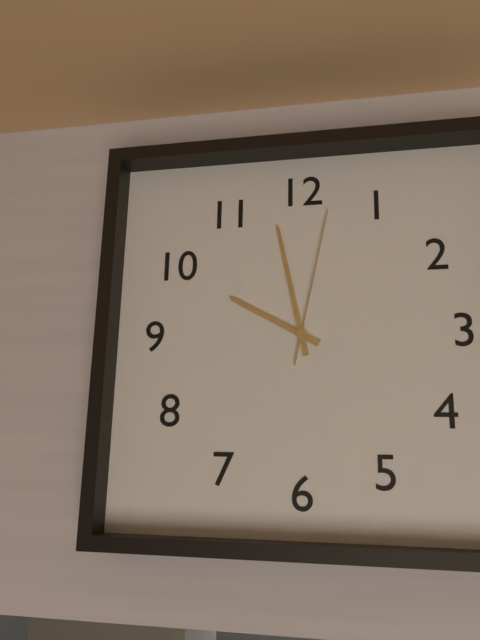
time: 9:58:02
